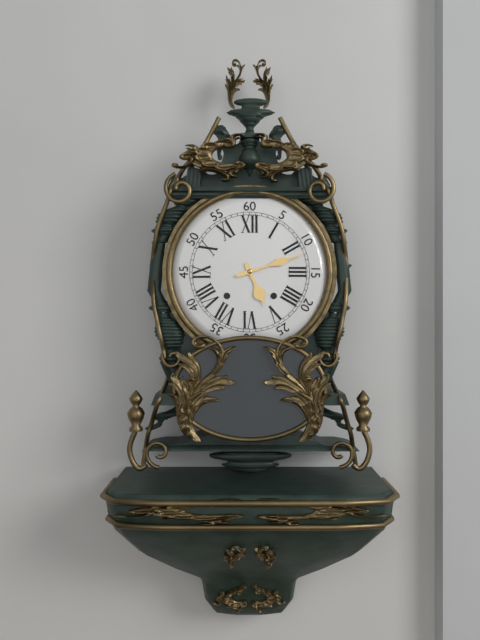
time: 5:12
